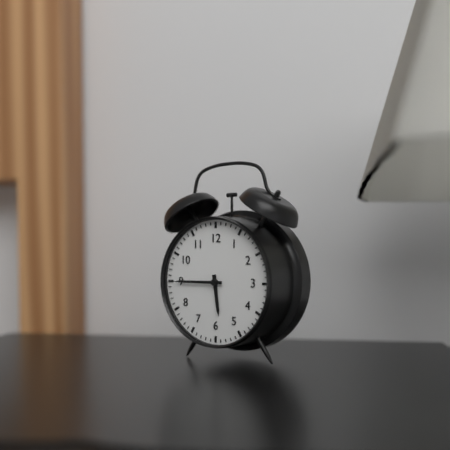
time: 5:45
